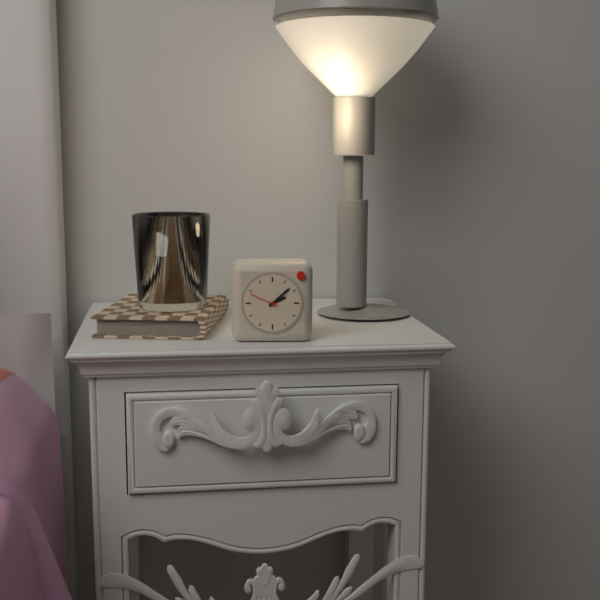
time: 2:08
